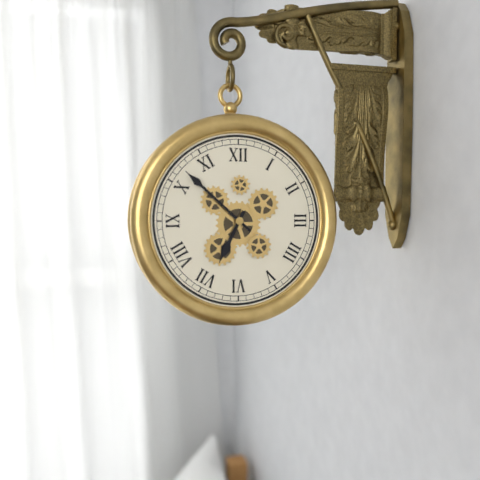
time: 6:52
